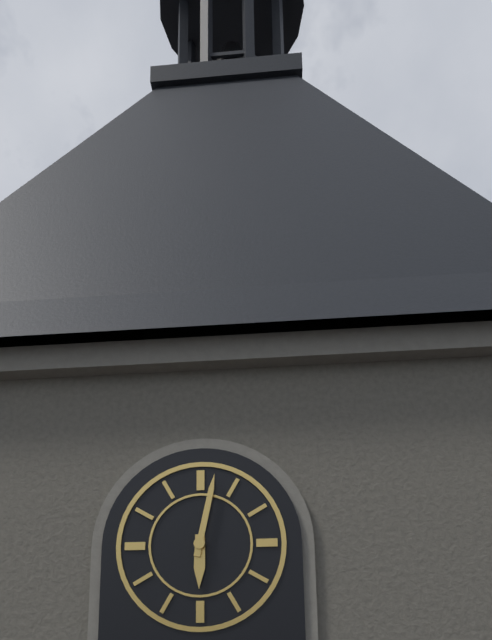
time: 6:02
